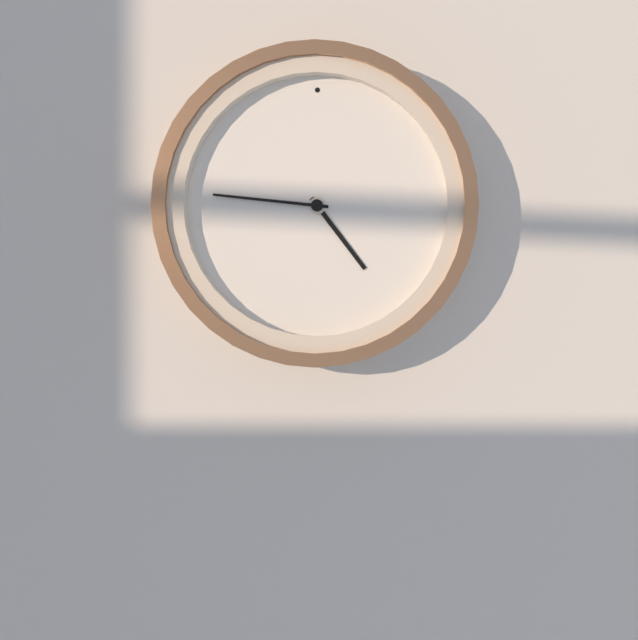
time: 4:46
